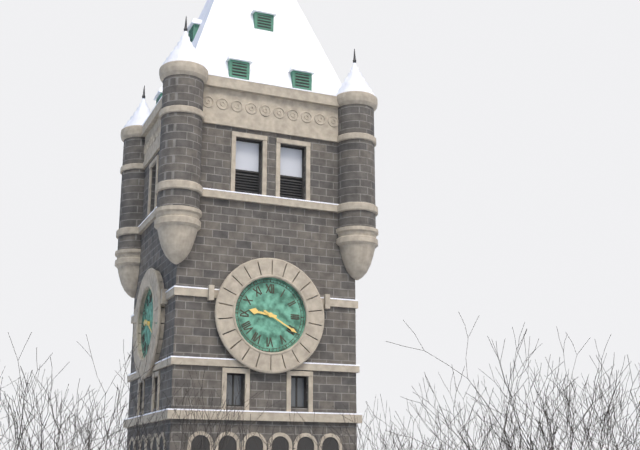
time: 9:20
